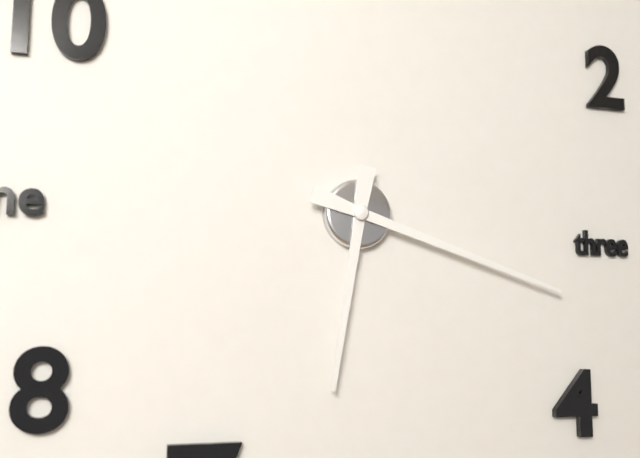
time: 6:18
